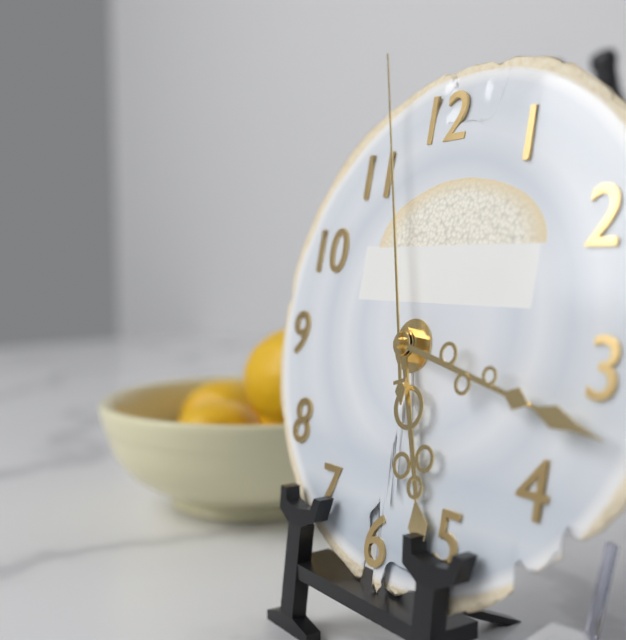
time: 5:17:57
